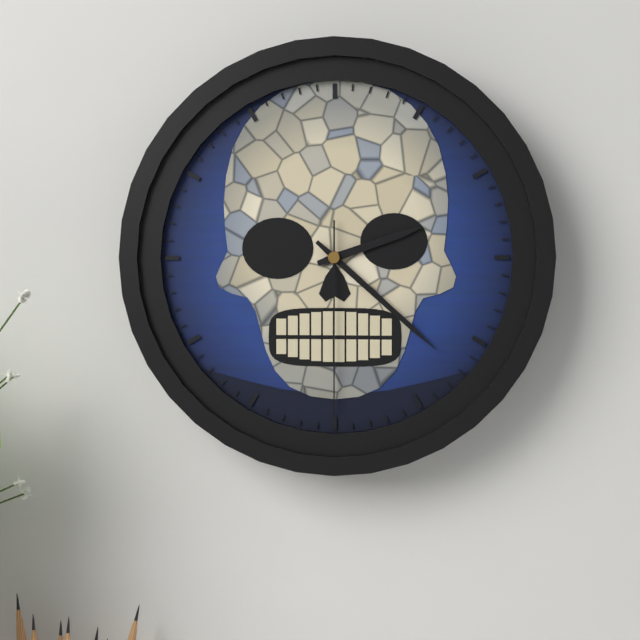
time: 2:22:30
